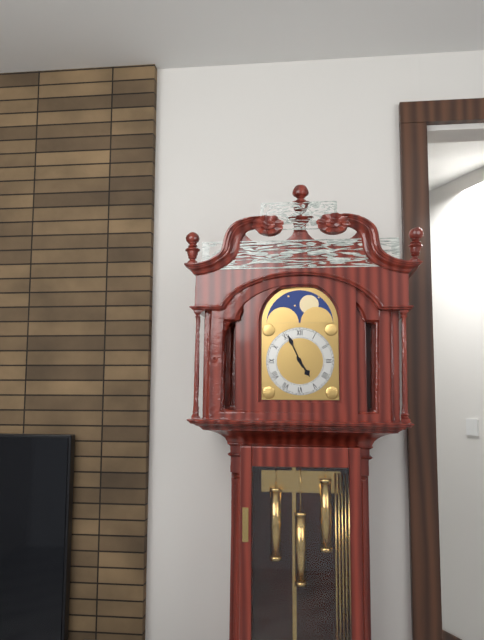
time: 4:56
